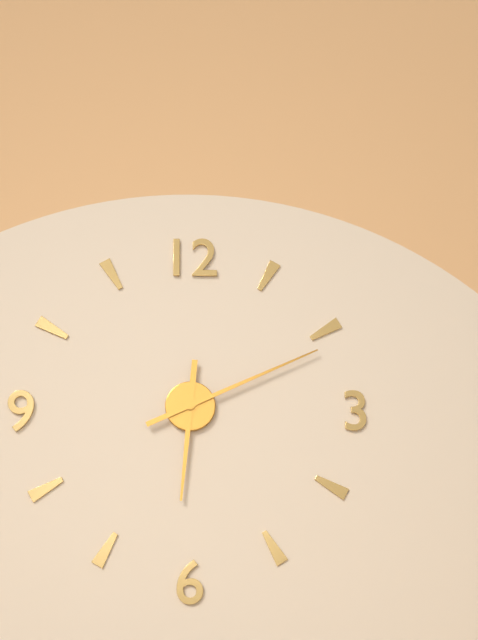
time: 6:11
